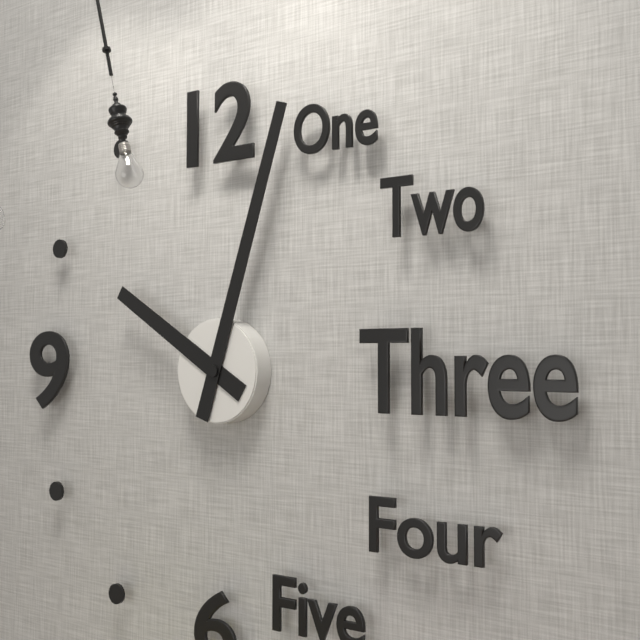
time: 10:03
